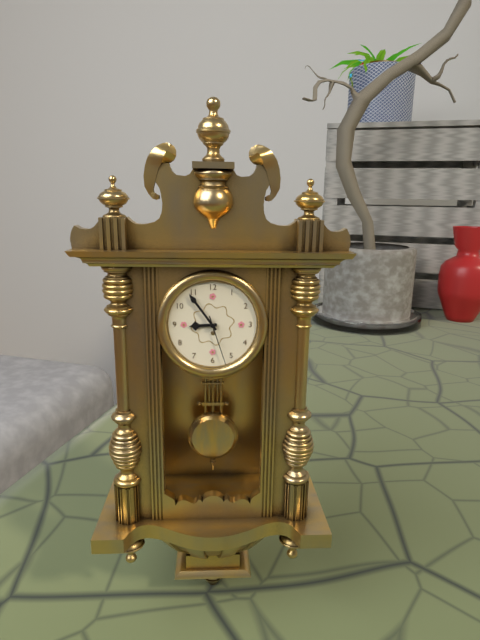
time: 8:54:27
